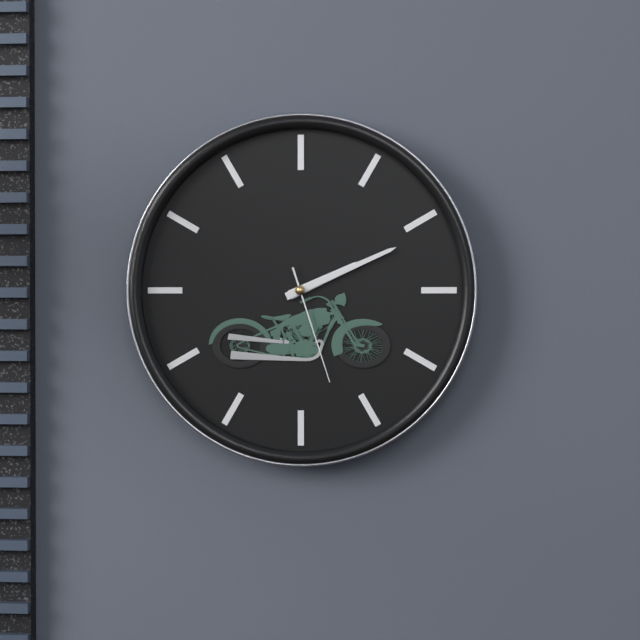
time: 2:11:27
